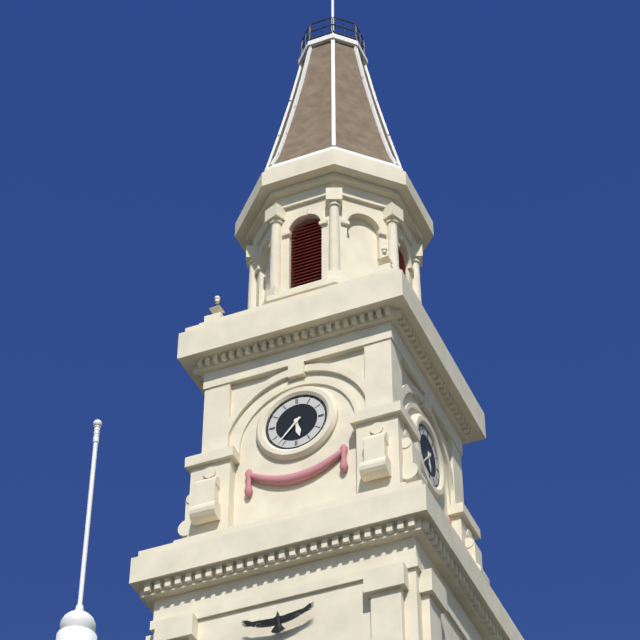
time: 5:37
